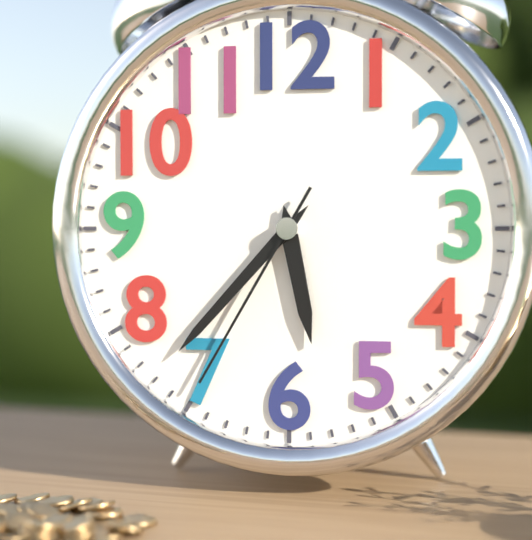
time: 5:37:35
